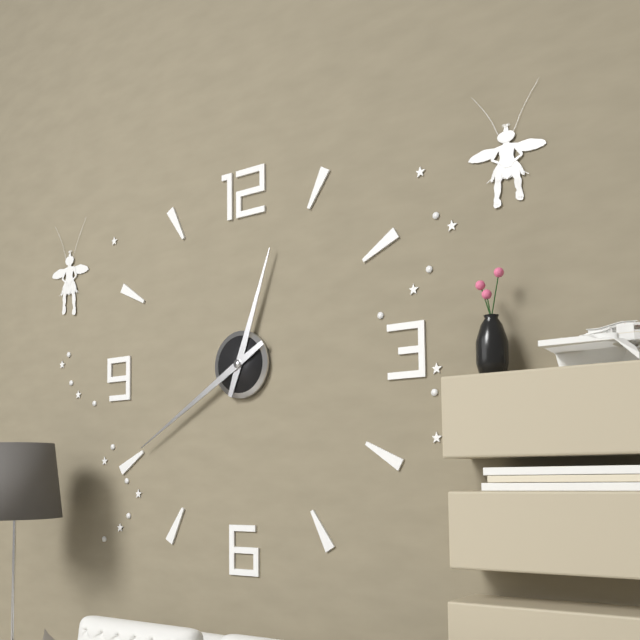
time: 12:40
